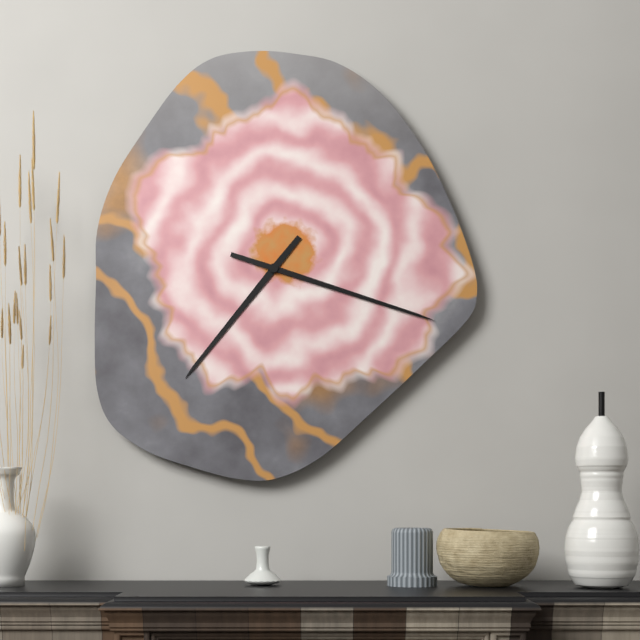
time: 7:18
